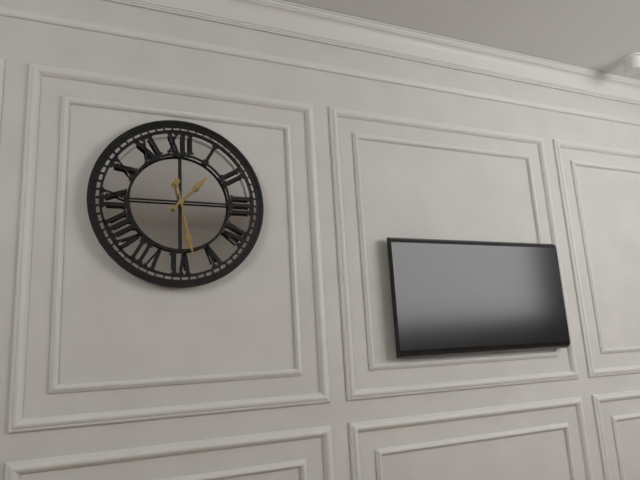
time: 1:28
